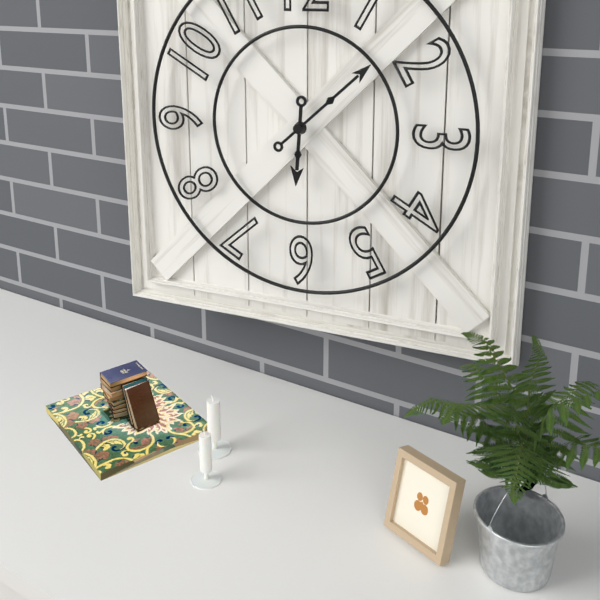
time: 6:08
